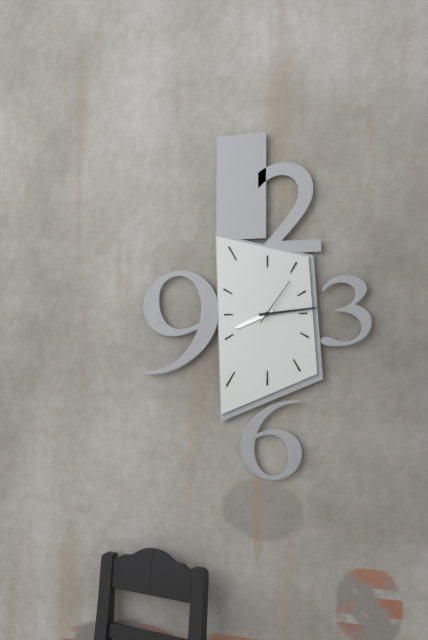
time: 8:14:06
